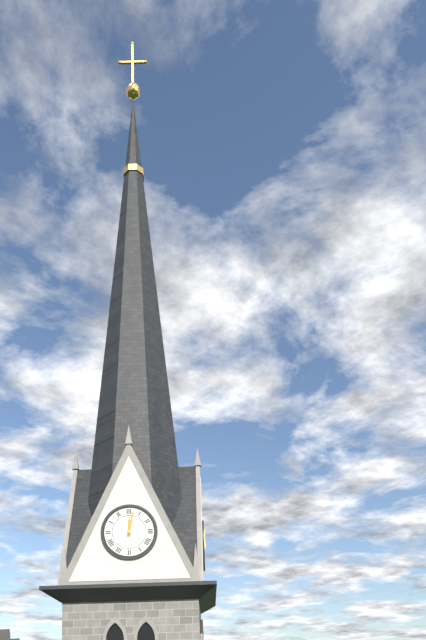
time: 12:02
